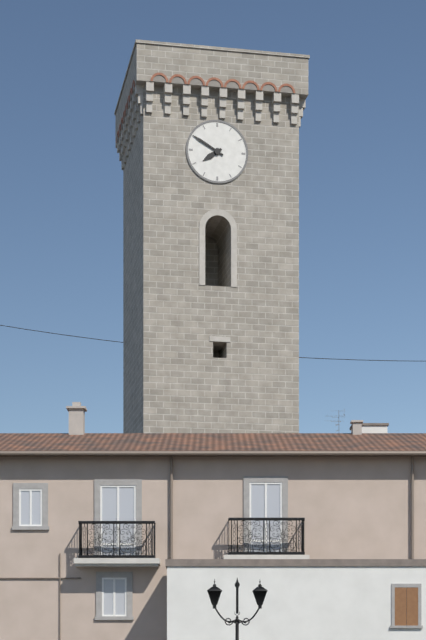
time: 7:50
